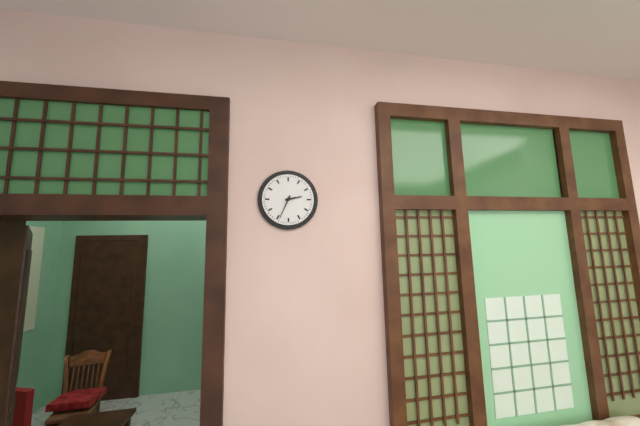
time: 2:34
